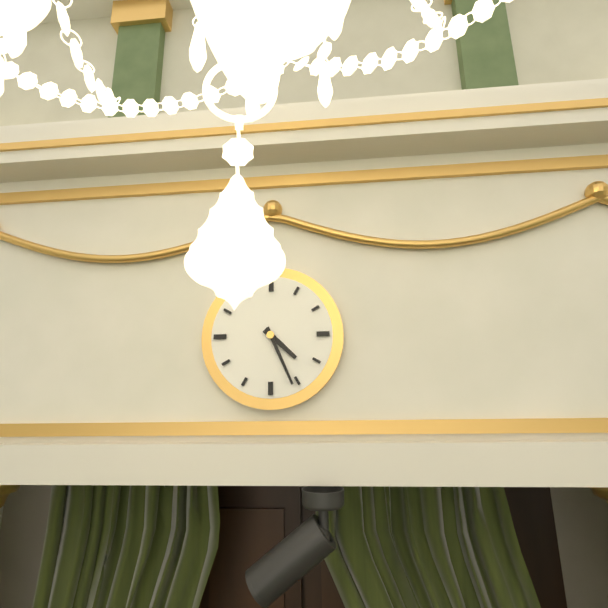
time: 4:26
